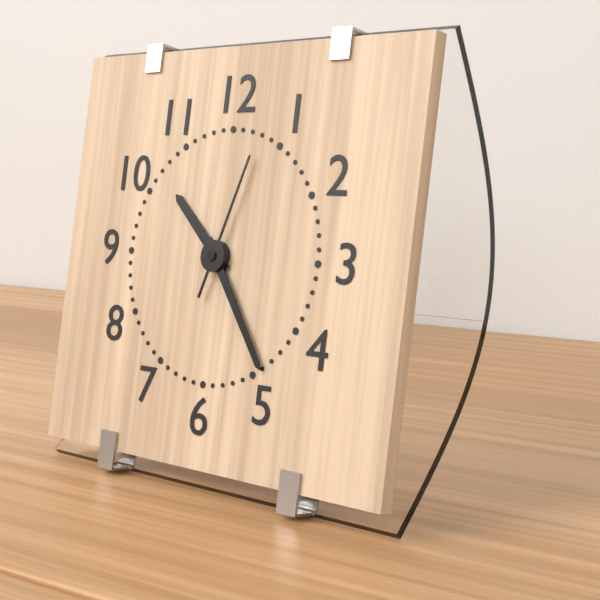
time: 10:24:03
